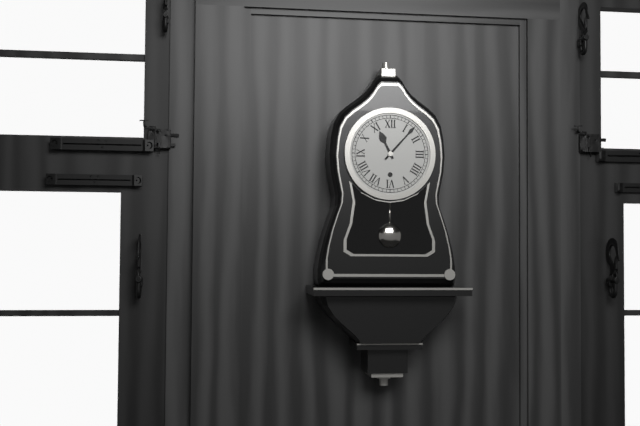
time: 11:07
